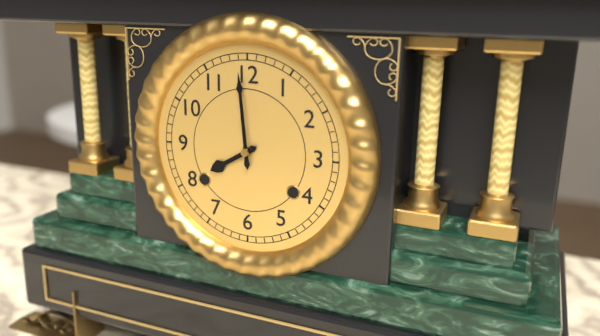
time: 7:59
